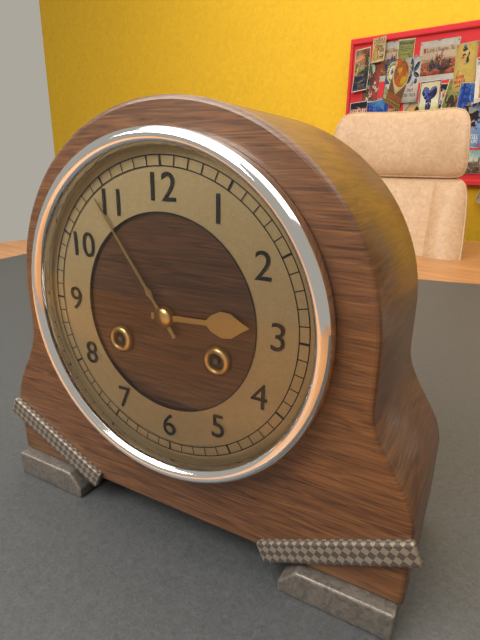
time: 2:54
